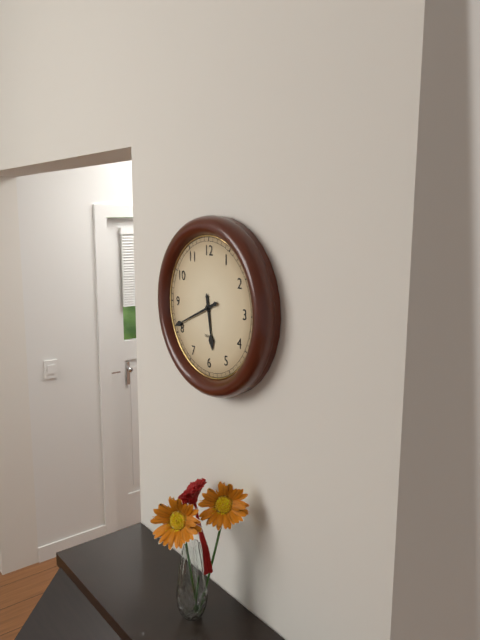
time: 5:41
